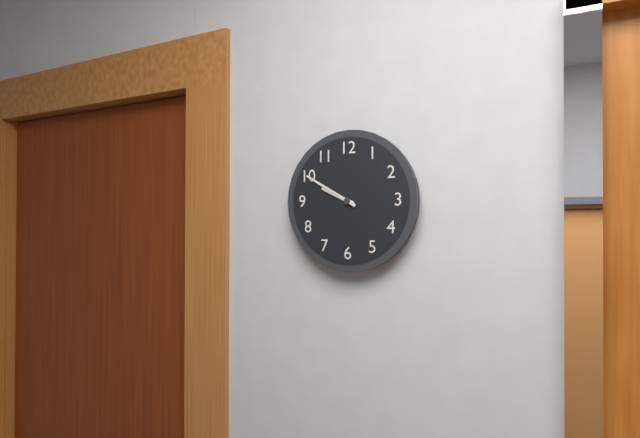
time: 9:50
